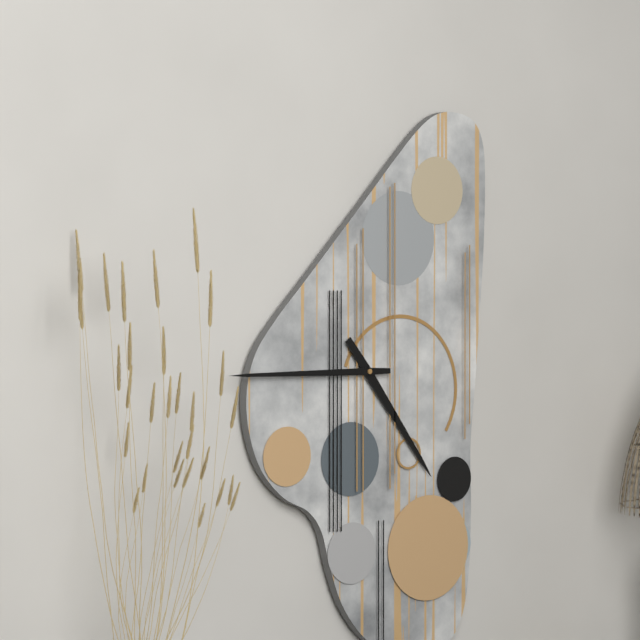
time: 4:45
